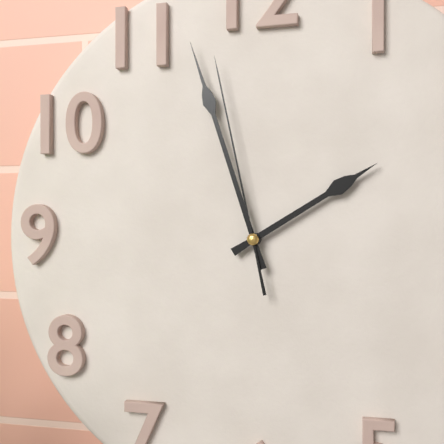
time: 1:57:58
